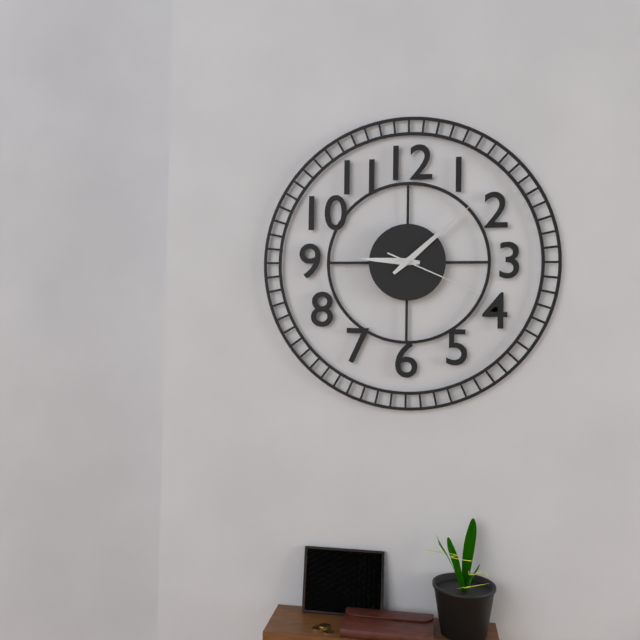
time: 9:08:19
